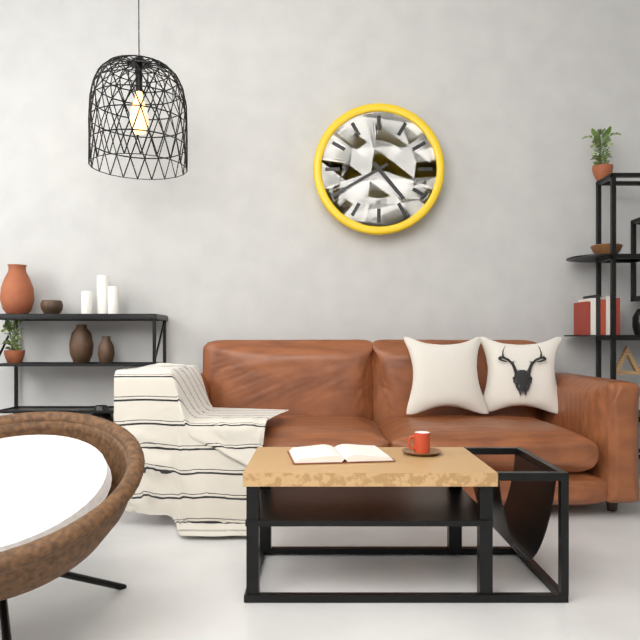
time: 4:40
